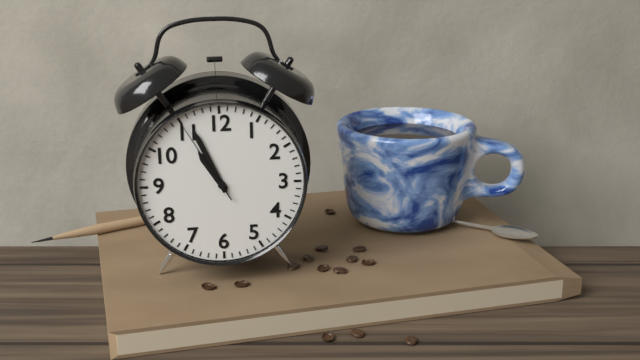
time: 10:56:55
